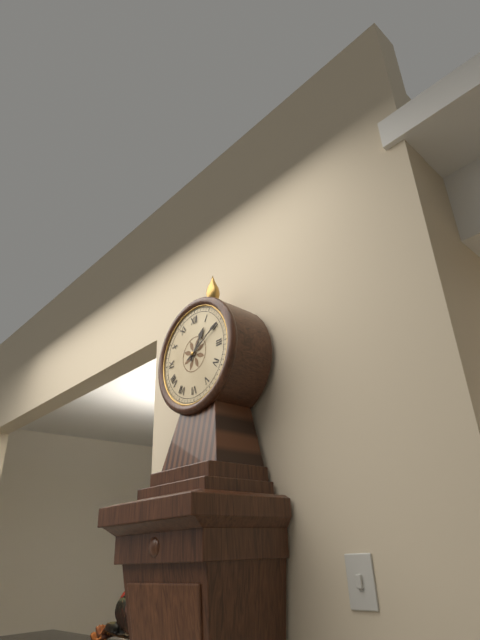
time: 1:10
